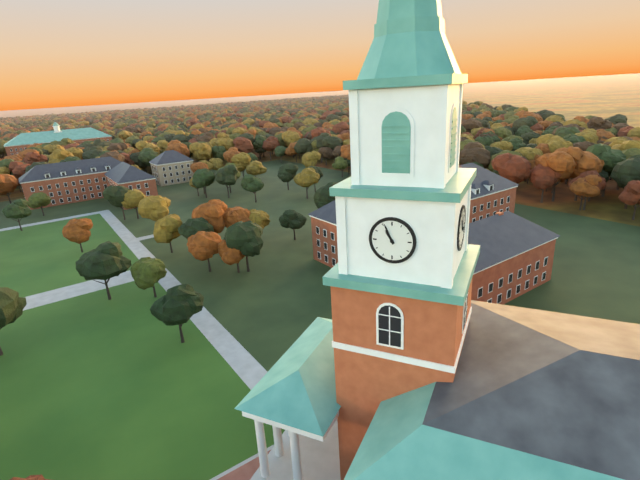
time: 10:56
